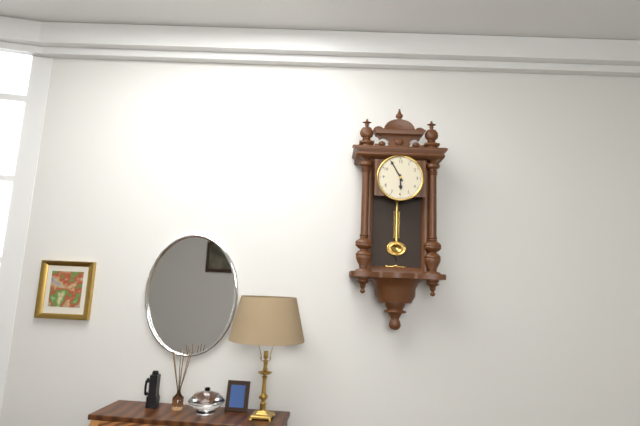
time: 5:55
